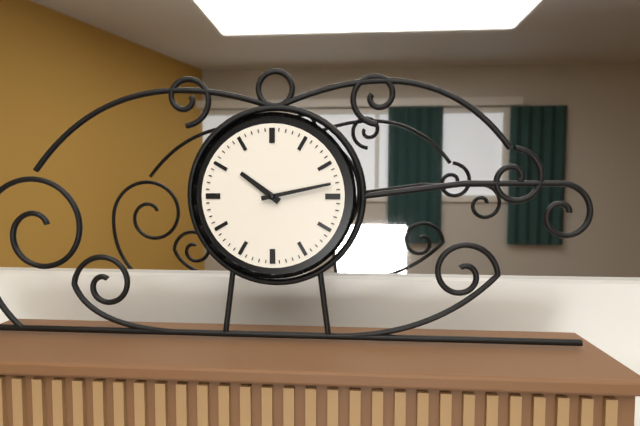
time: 10:13
